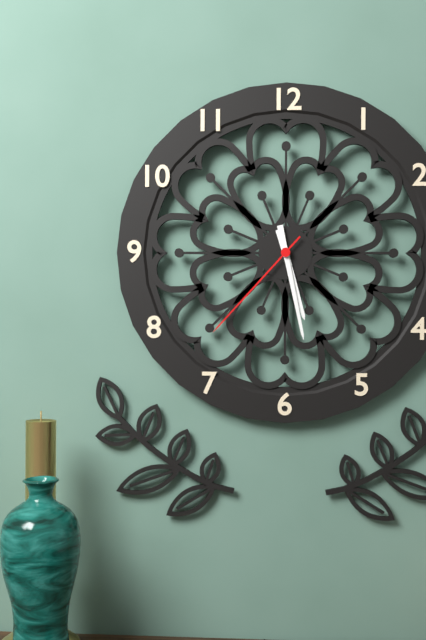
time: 5:28:37
